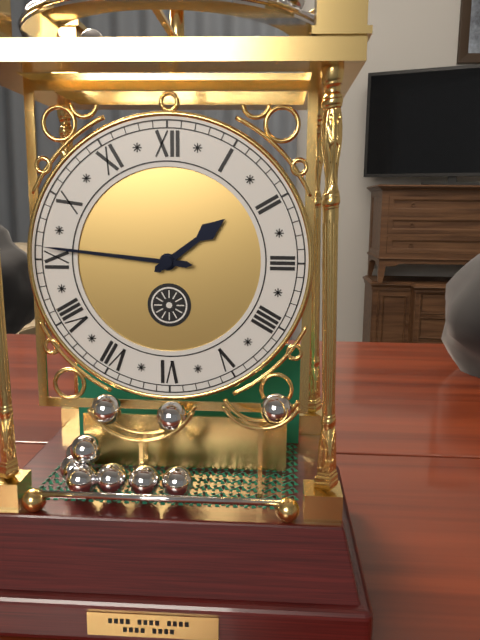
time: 1:46
